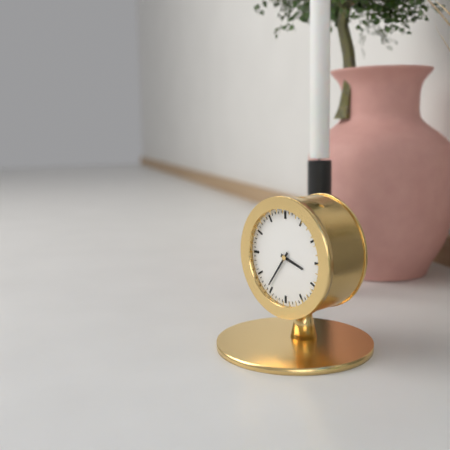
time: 3:36
